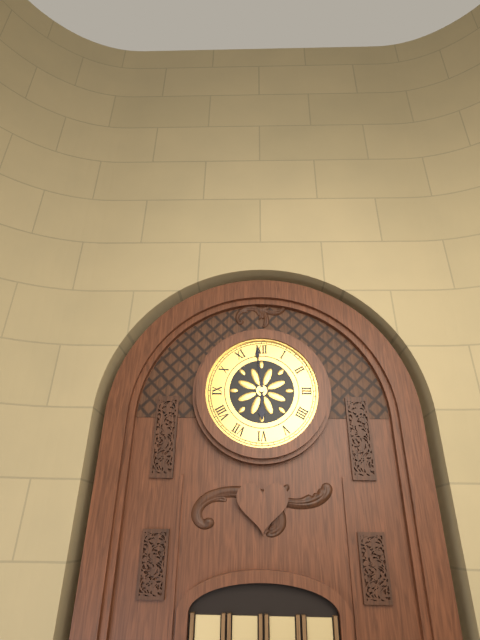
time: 5:59
